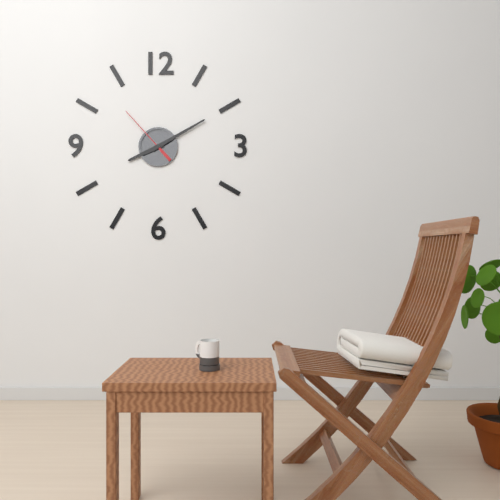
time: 8:10:53
